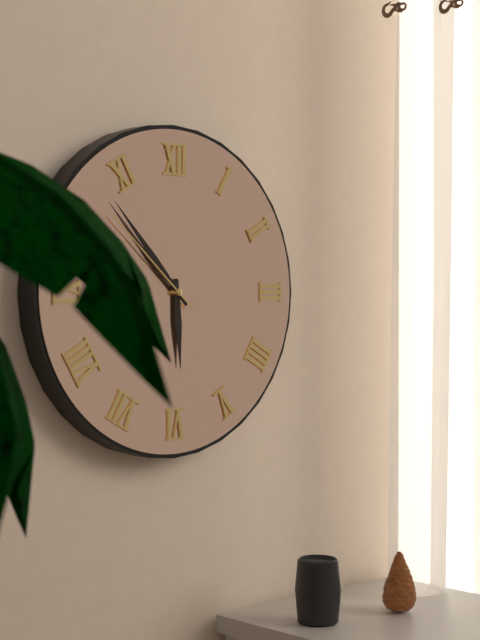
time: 5:53:52
